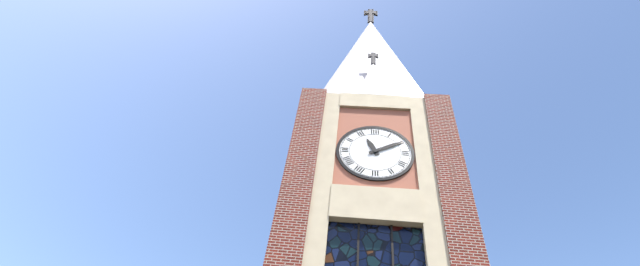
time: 11:10
